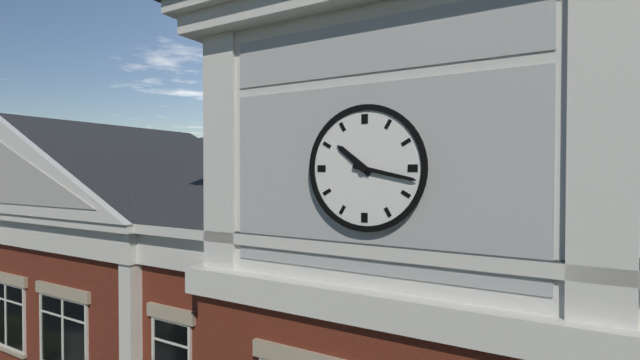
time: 10:17
